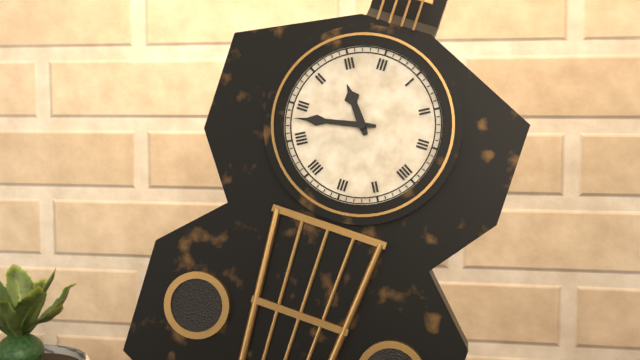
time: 10:43
